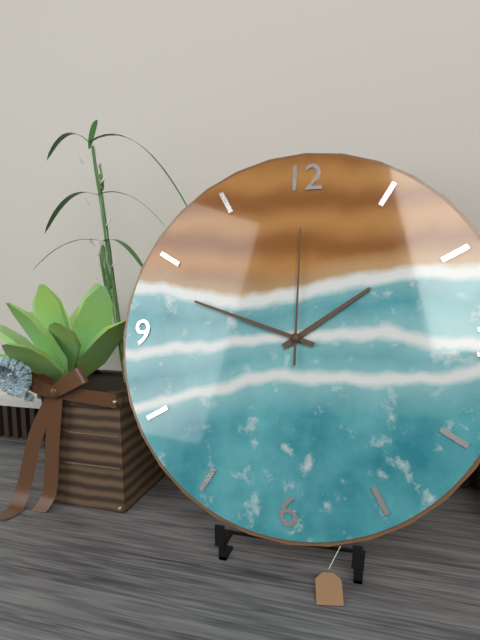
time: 1:48:00
